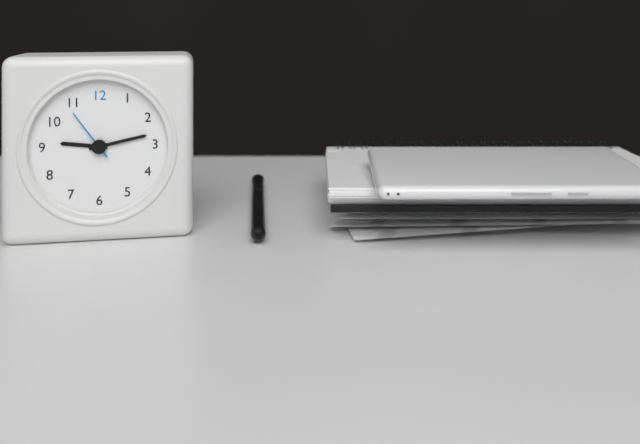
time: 9:13:54
